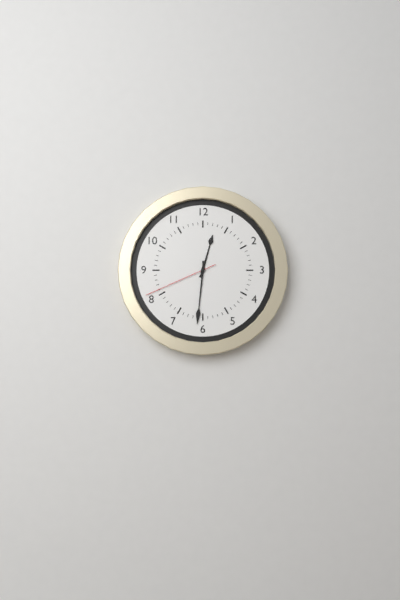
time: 12:31:41
